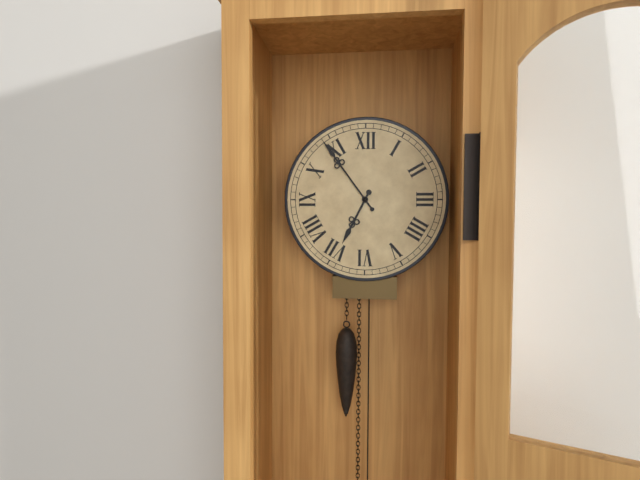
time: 6:54
